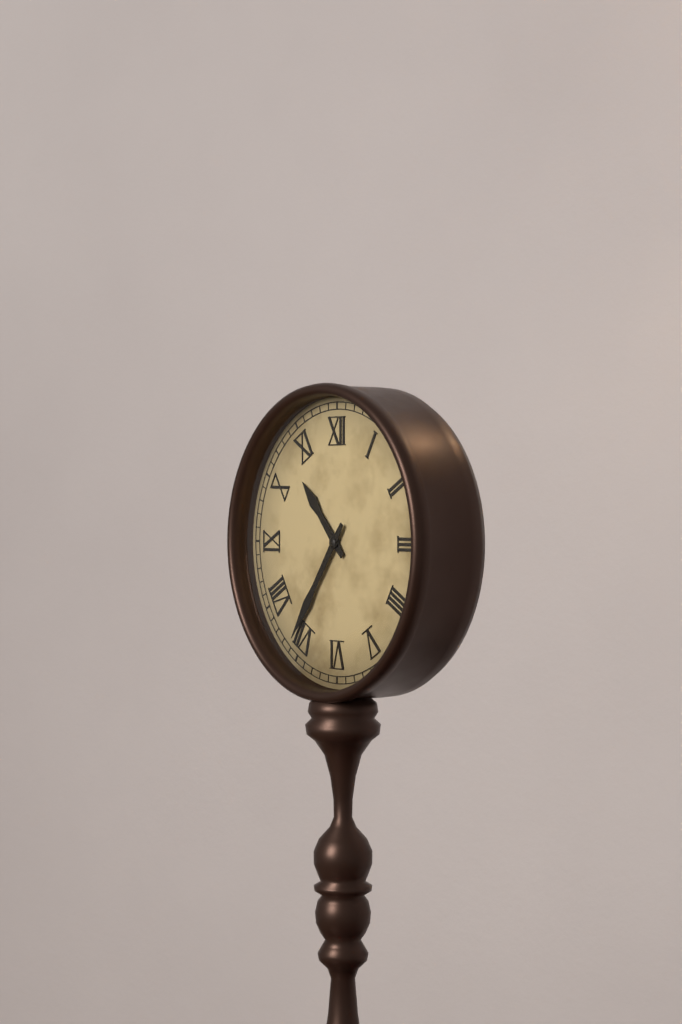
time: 10:36
